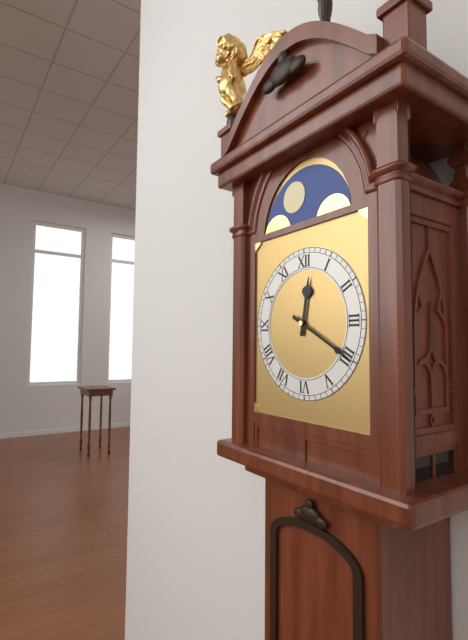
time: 12:20
